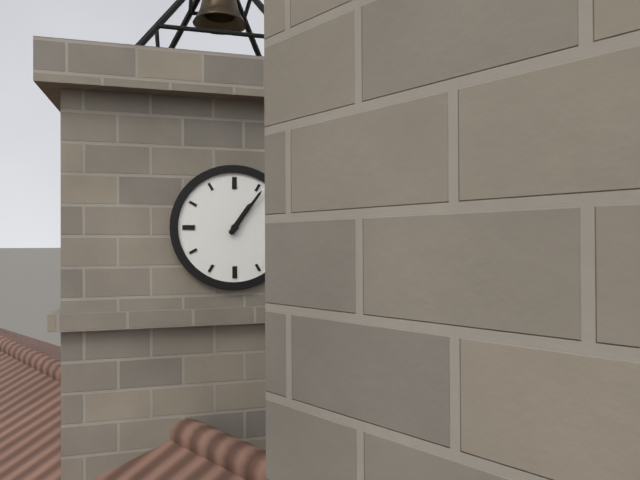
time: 1:06
